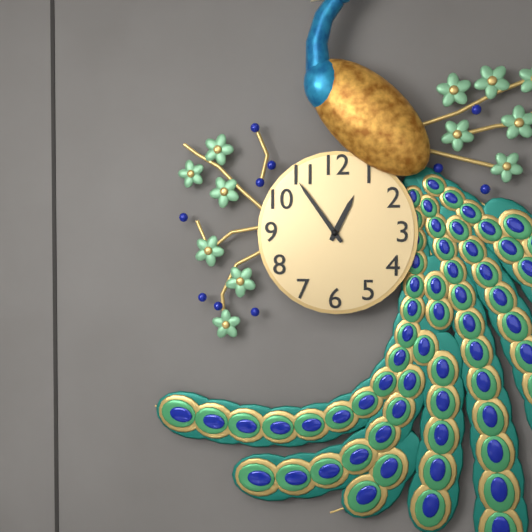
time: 12:54
